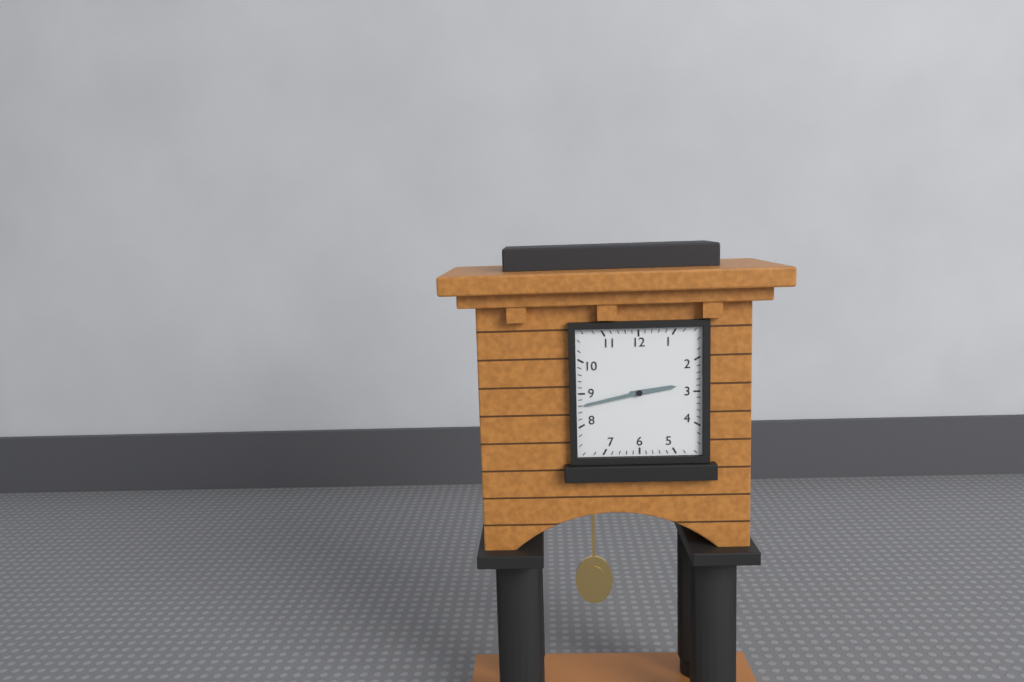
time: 2:43
